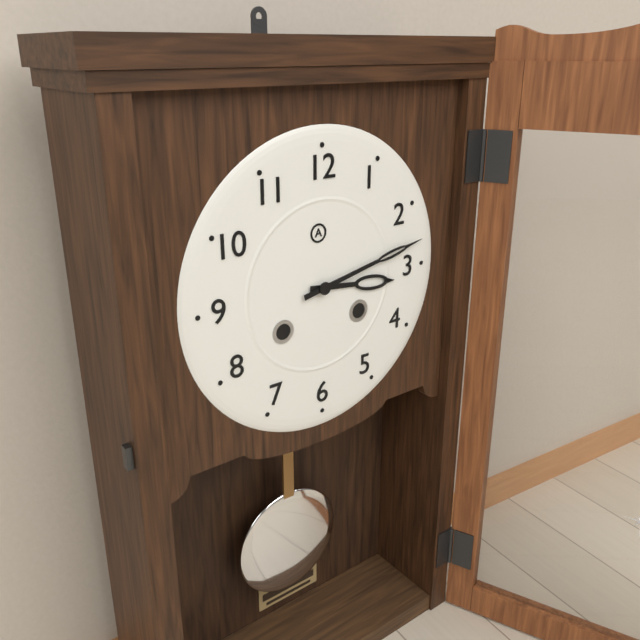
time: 3:13
